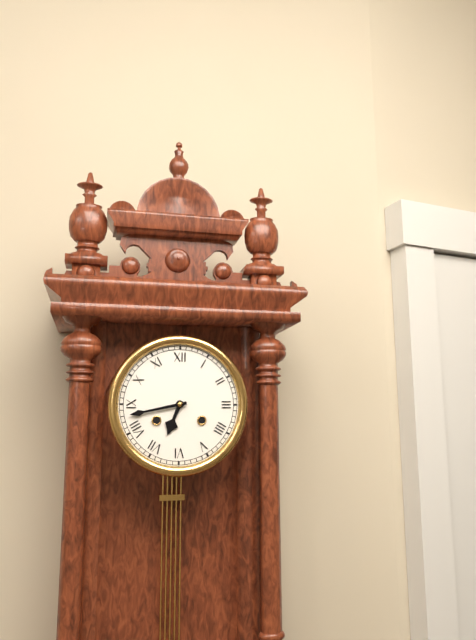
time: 6:43
